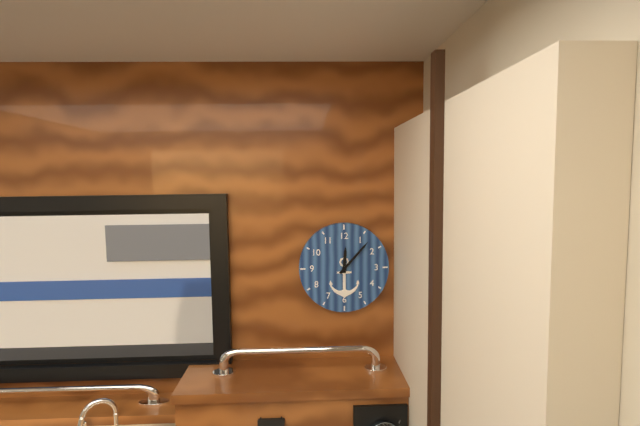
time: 12:07
